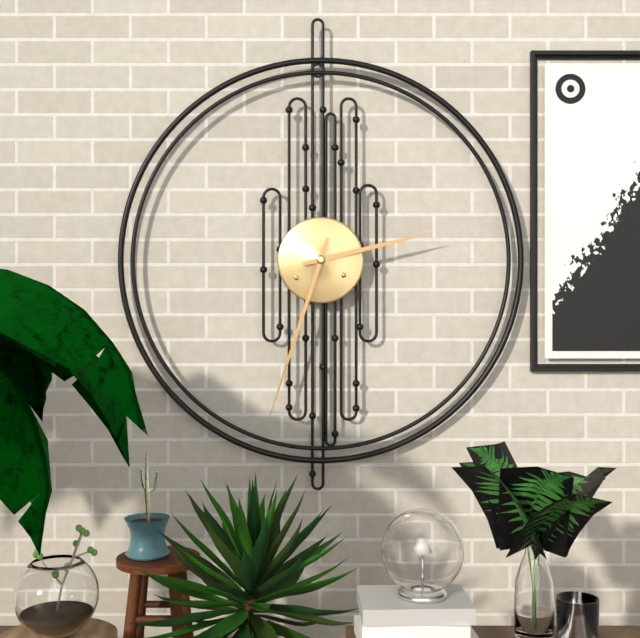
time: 2:33
